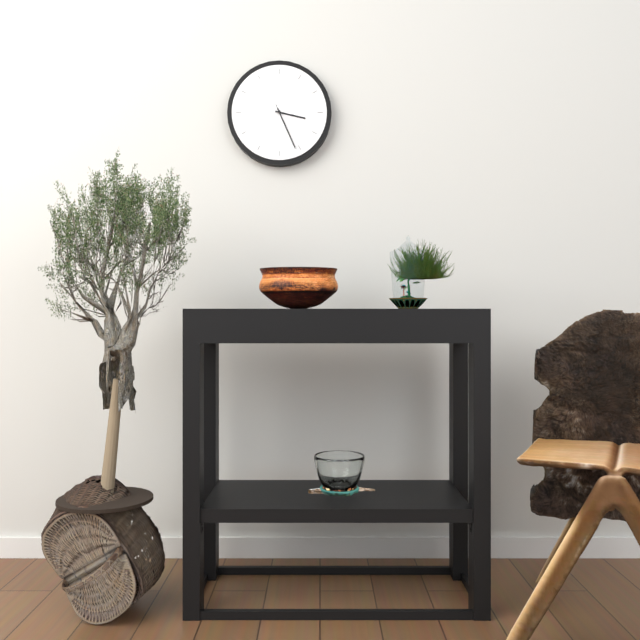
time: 3:26:26
